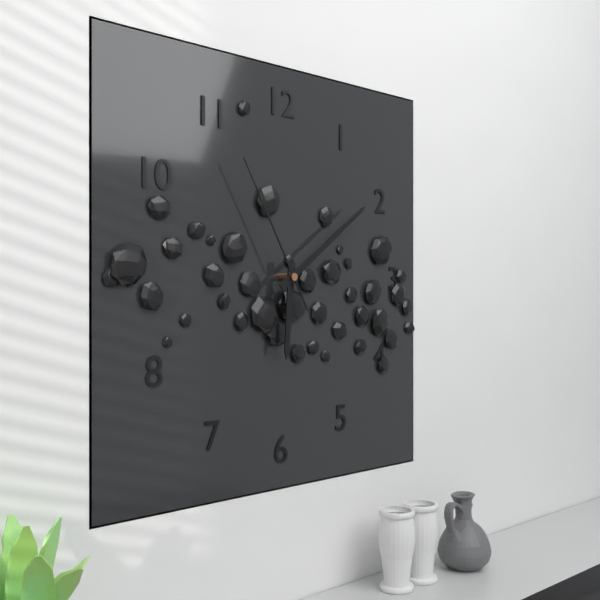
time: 6:09:55
